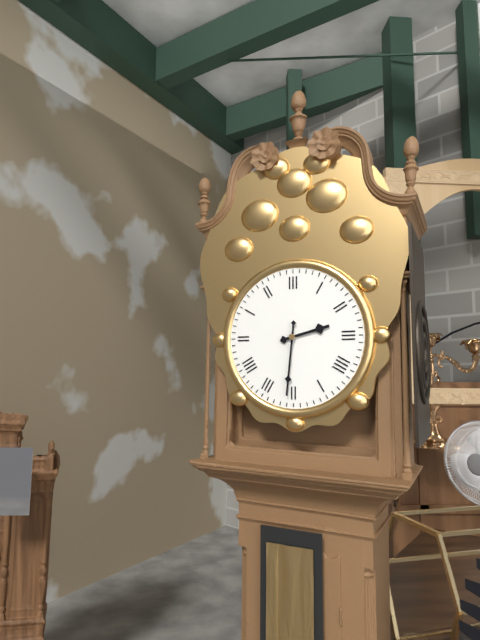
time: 2:31
